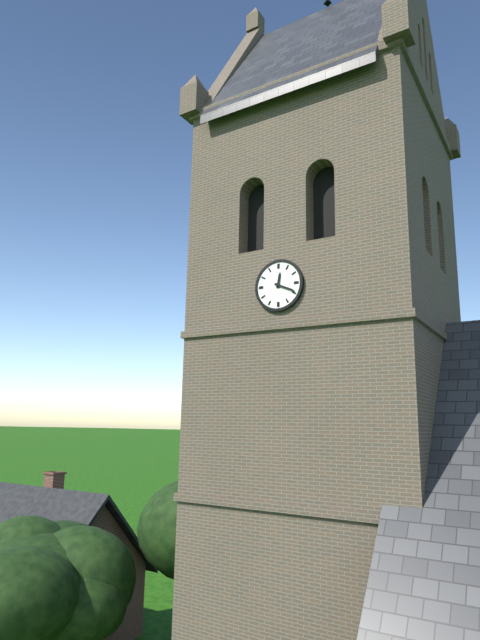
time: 12:19
